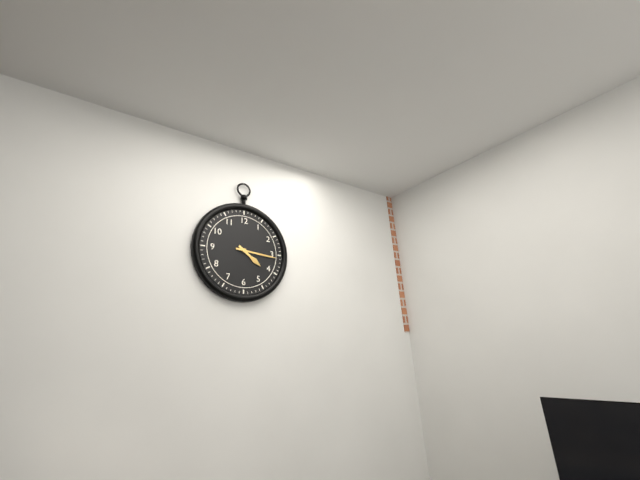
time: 4:16
